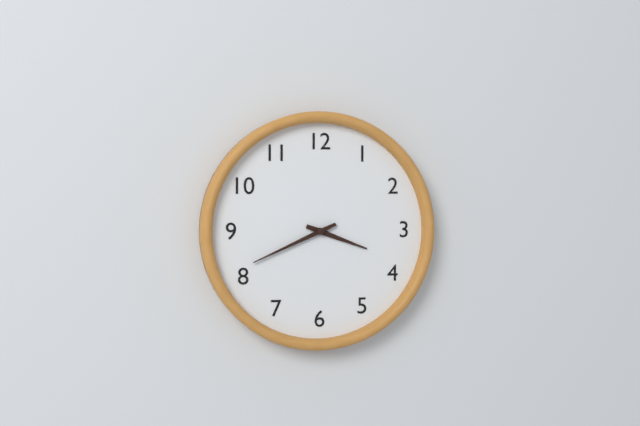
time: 3:41
